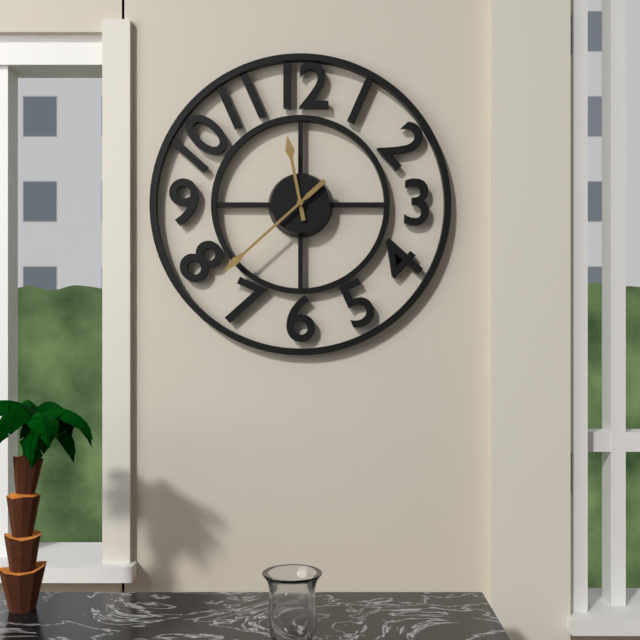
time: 11:38
